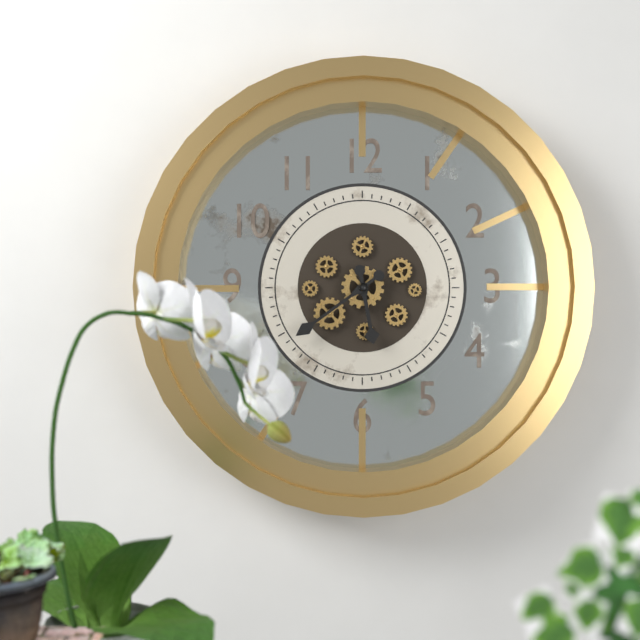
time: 5:39
